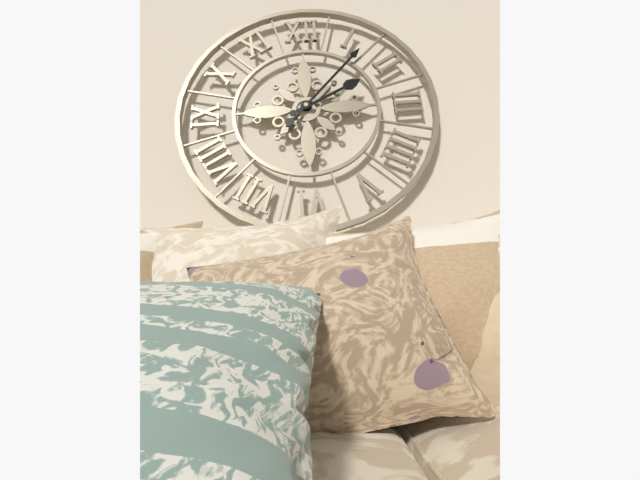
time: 2:07
